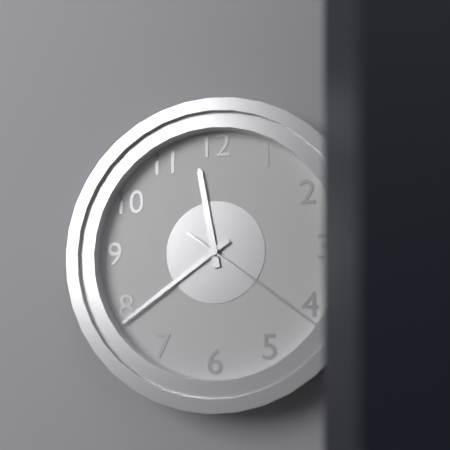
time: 11:39:21
